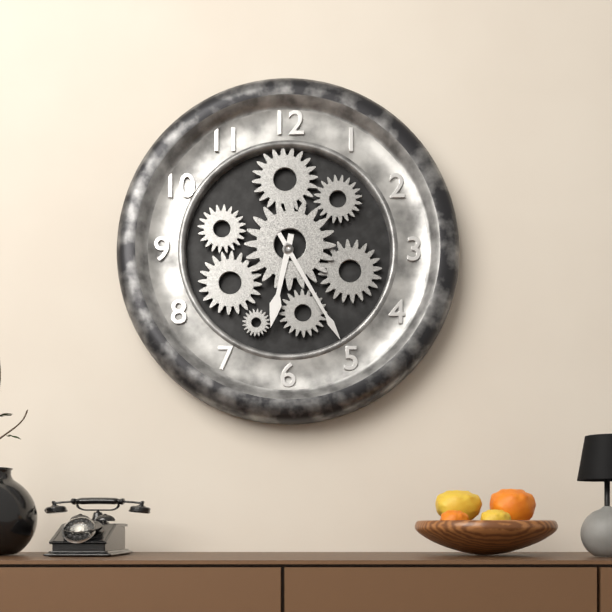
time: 6:25
